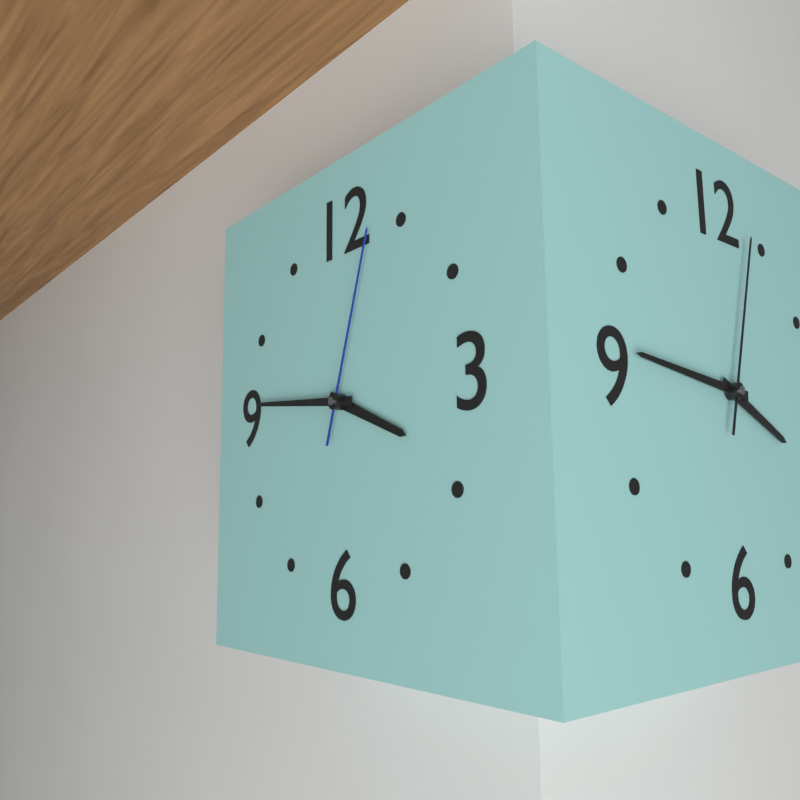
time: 3:46:03
